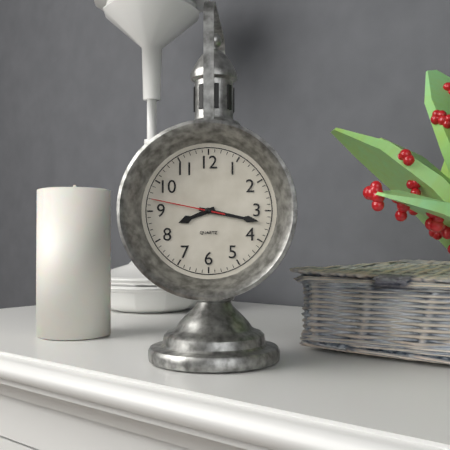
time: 8:17:47
